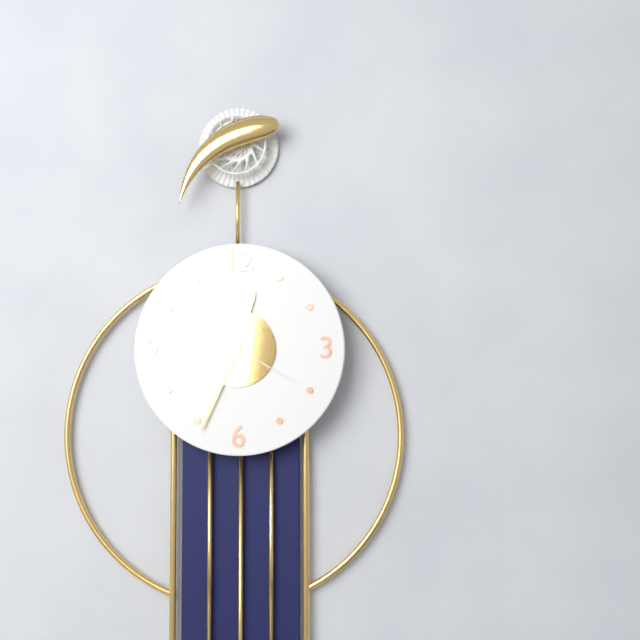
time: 12:34:20
